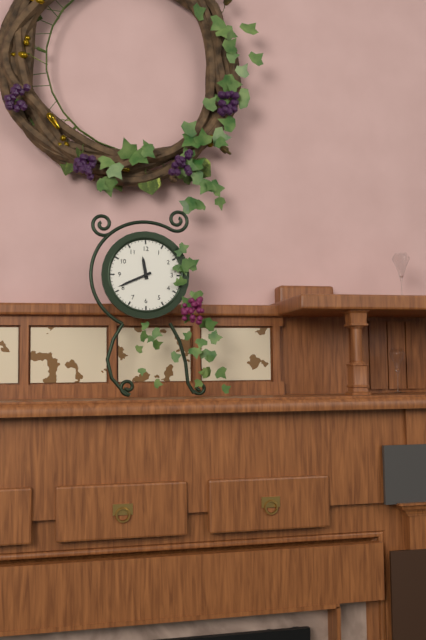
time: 11:41
